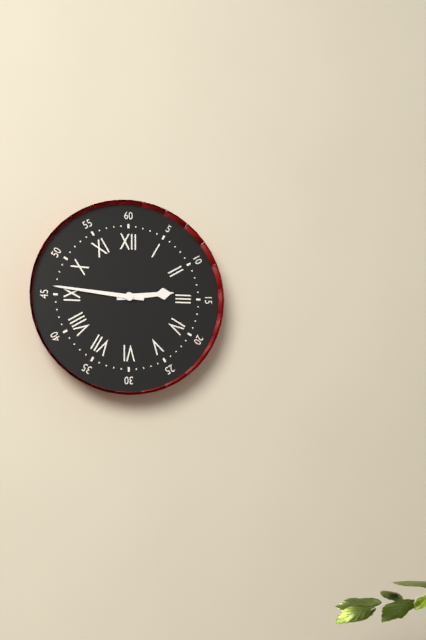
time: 2:46
